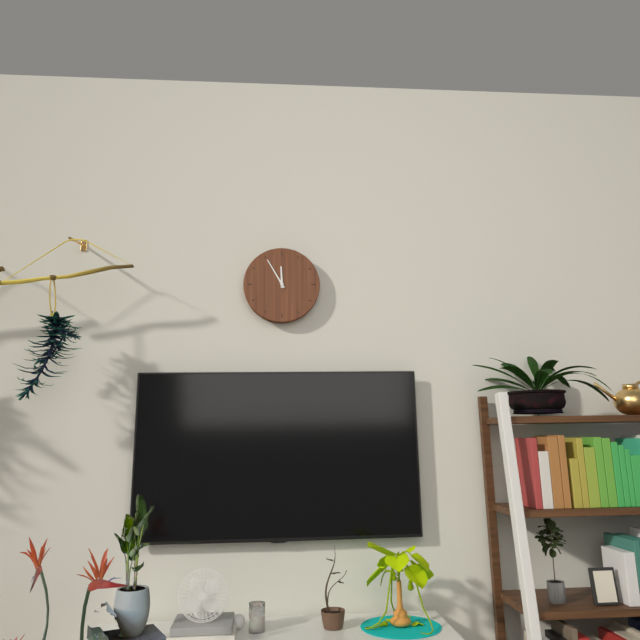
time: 11:55
